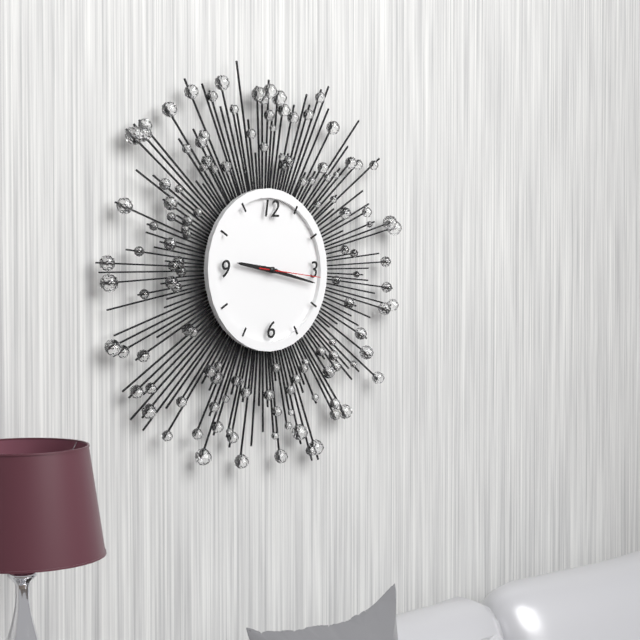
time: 9:17:16
